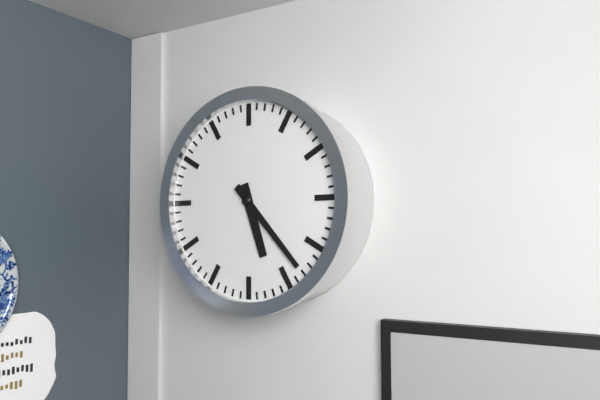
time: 5:23
